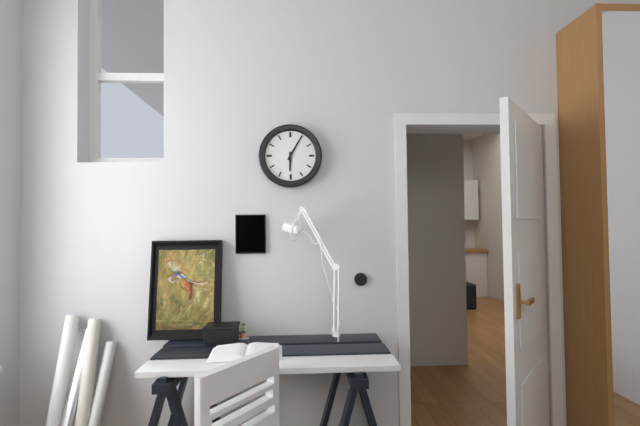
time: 6:05
